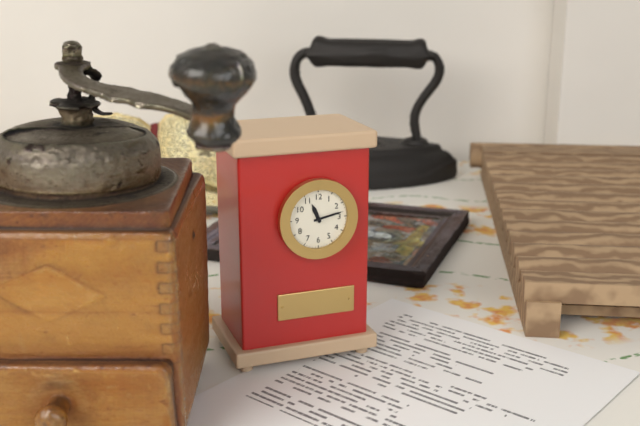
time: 11:13
